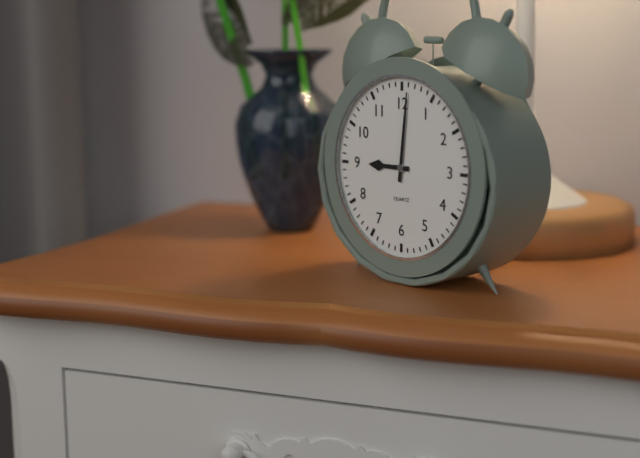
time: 9:01
